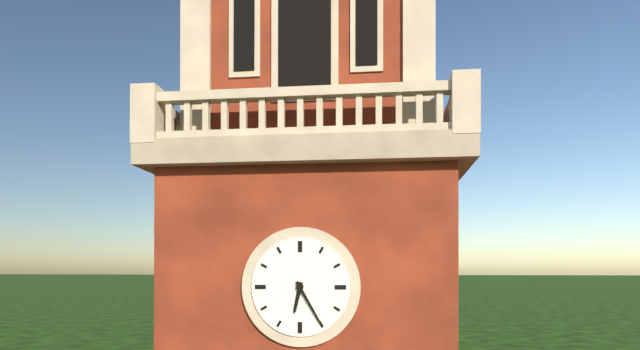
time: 6:25
